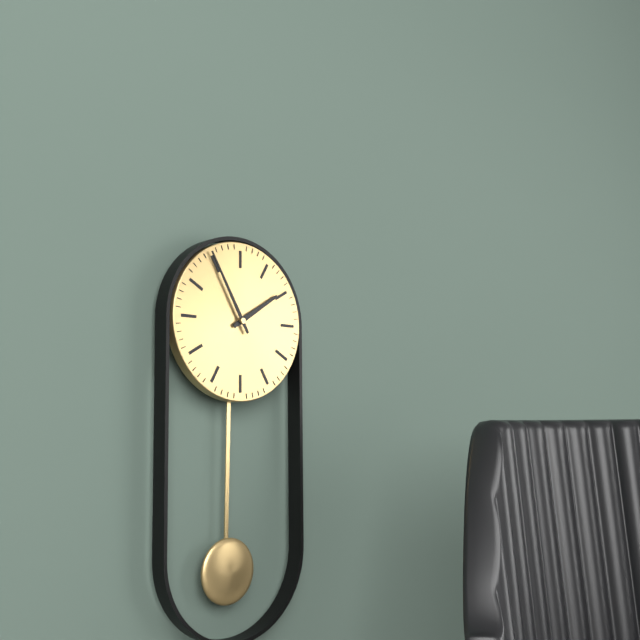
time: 1:55
